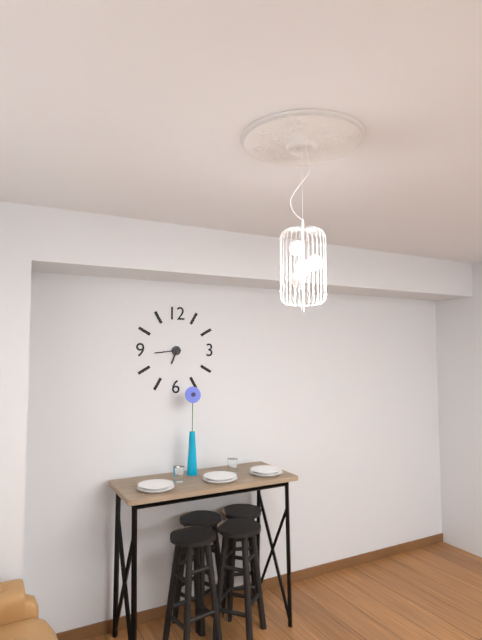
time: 6:44
